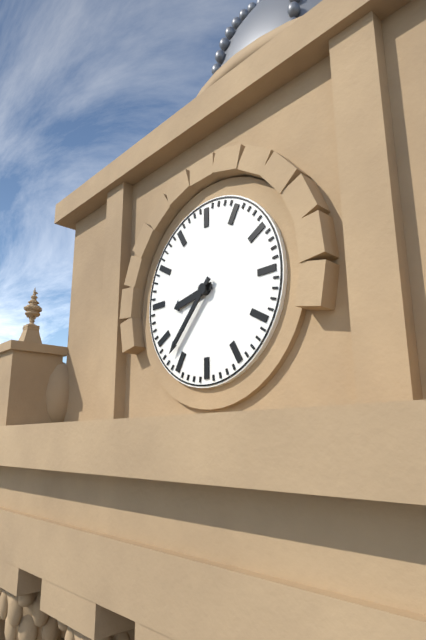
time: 8:37
